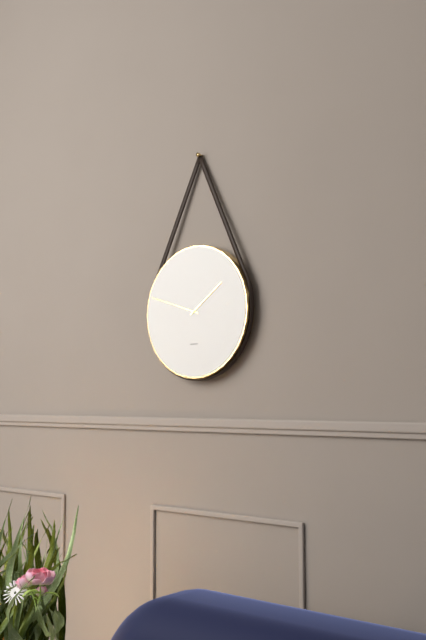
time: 1:48
